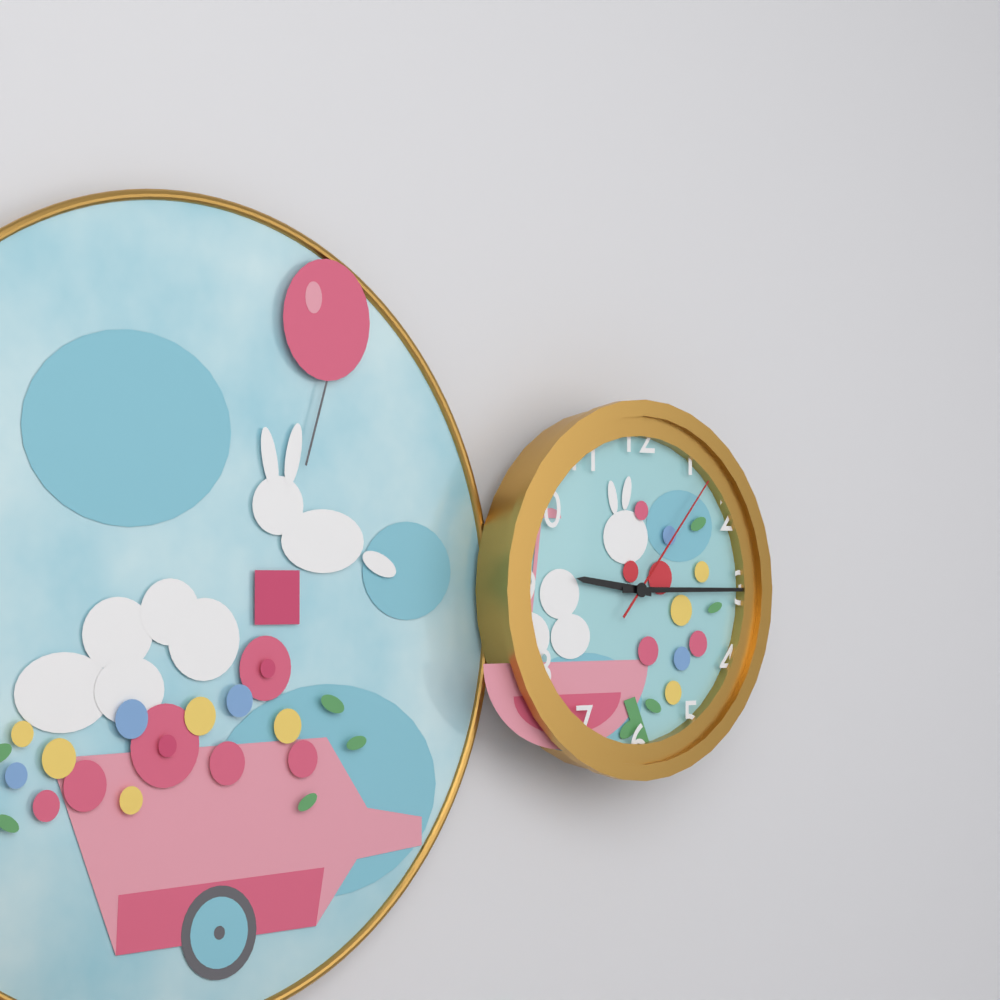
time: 9:15:07
